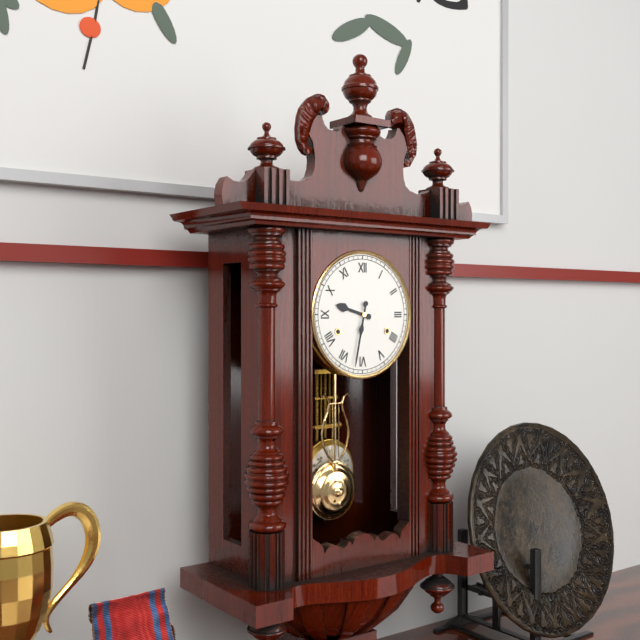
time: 9:32
